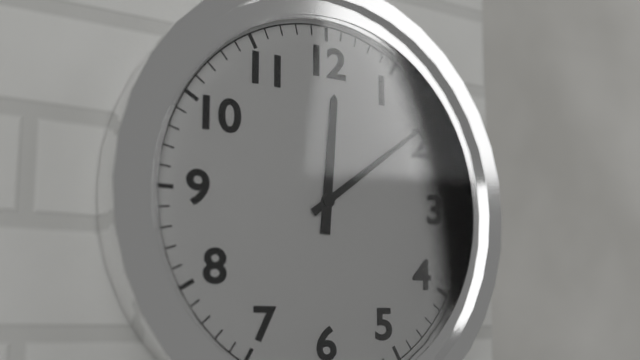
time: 12:09
